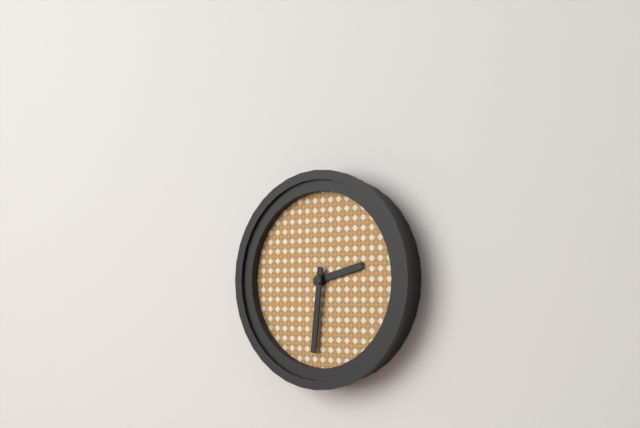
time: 2:31
